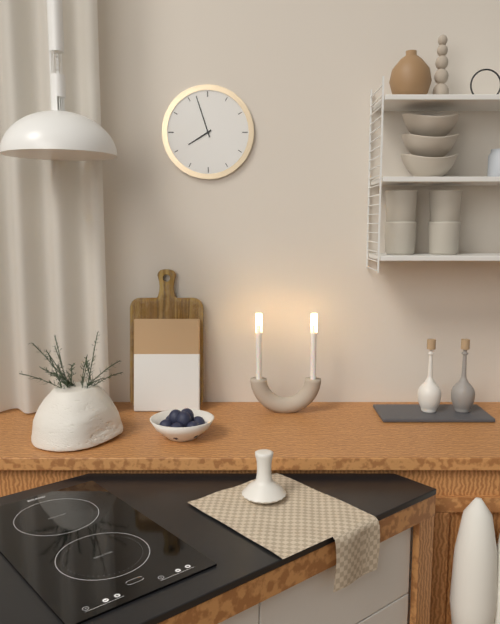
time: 7:57
